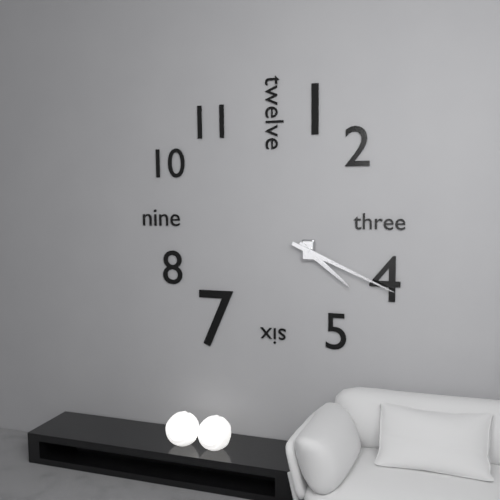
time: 4:19
